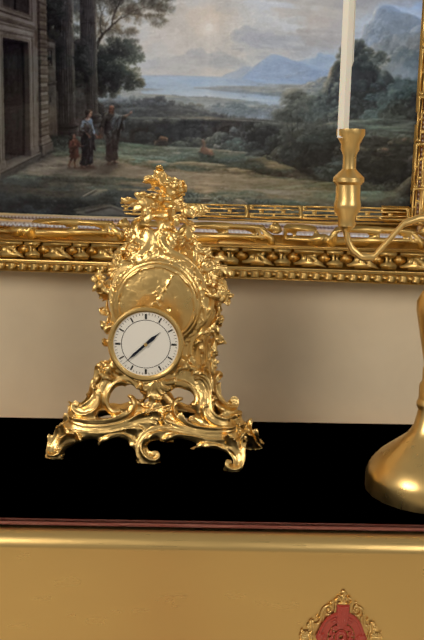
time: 1:38
